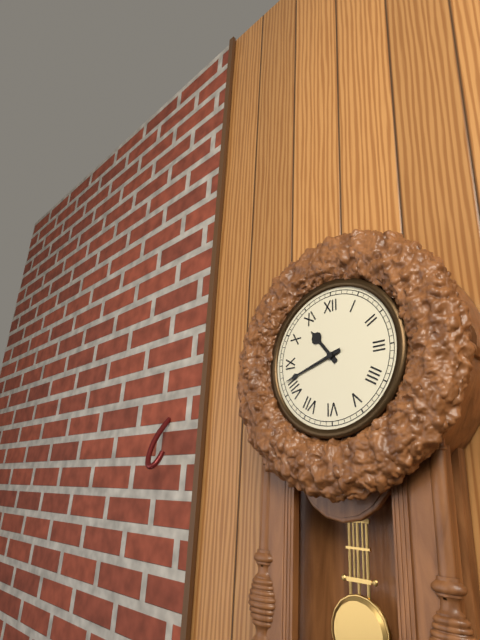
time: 10:42
